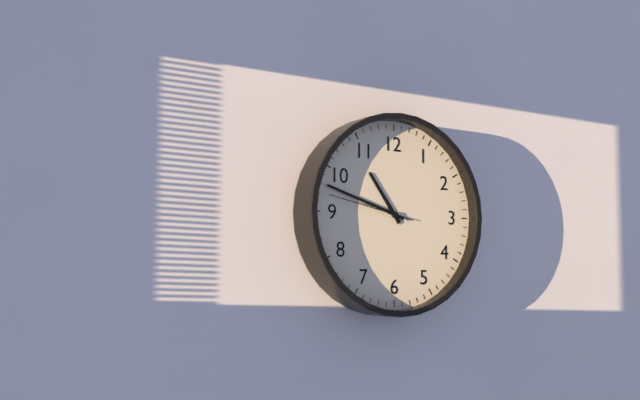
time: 10:48:47
